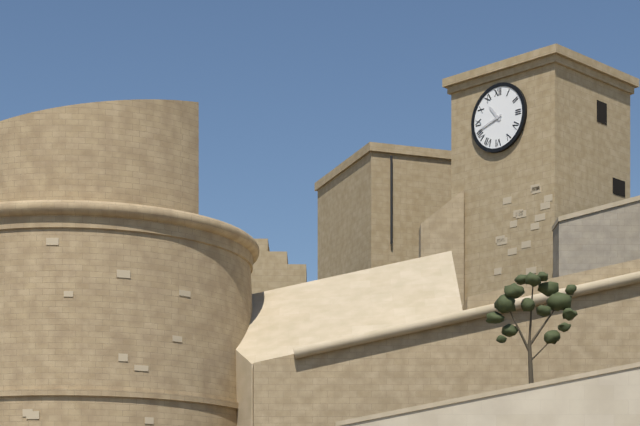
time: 10:42
